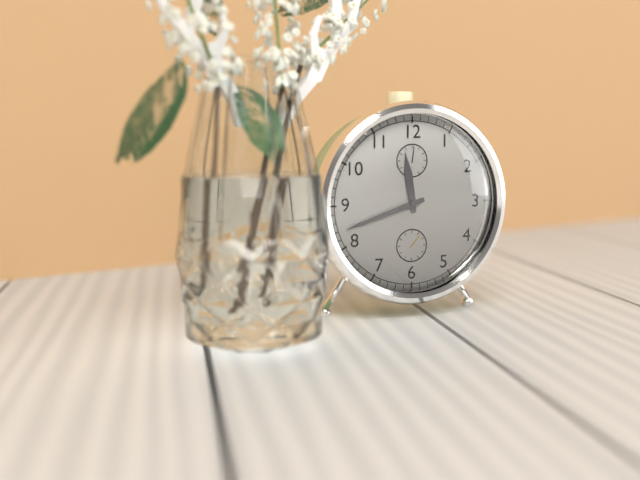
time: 11:42
